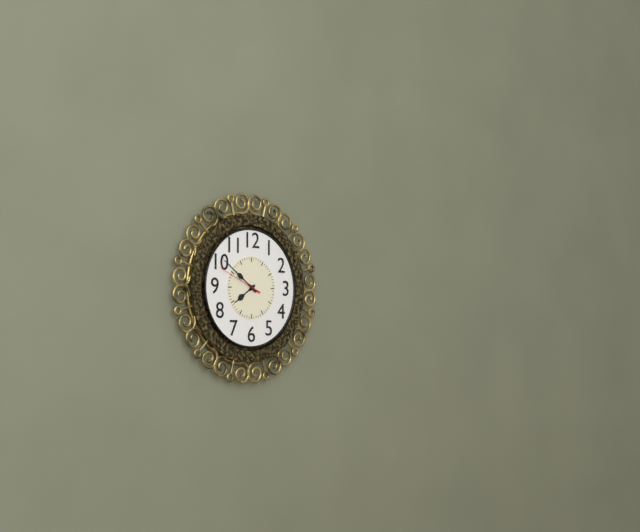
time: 7:51
